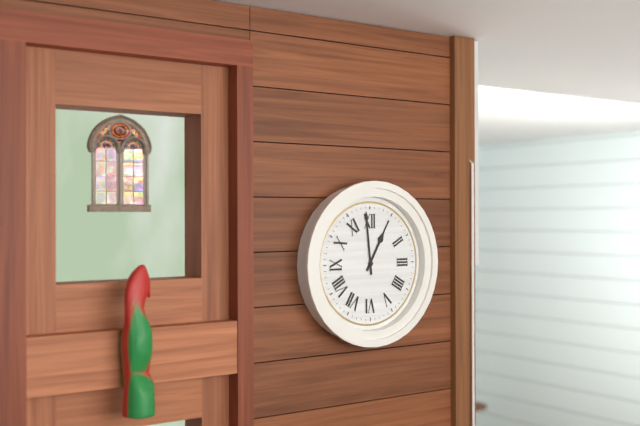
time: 12:59
